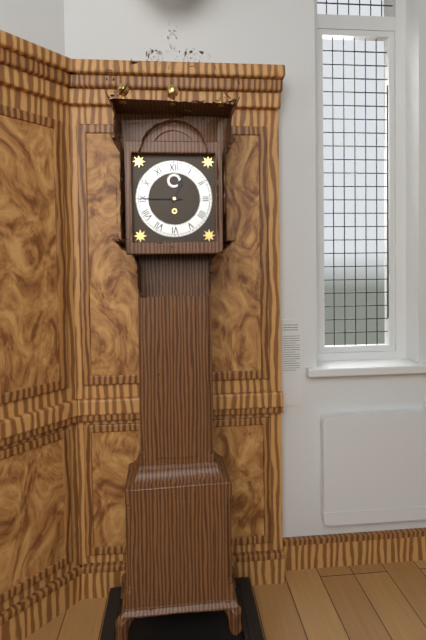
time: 12:45
